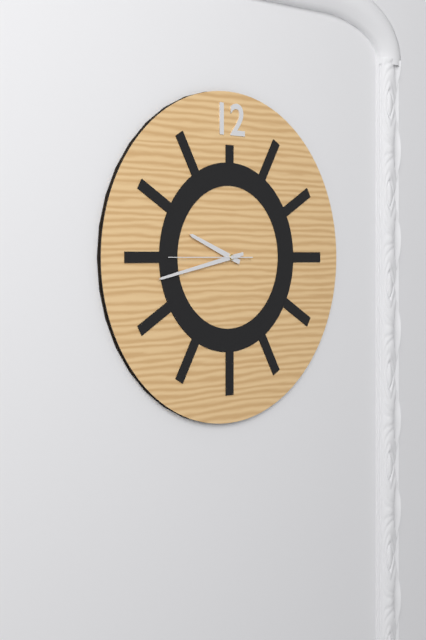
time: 9:43:45
